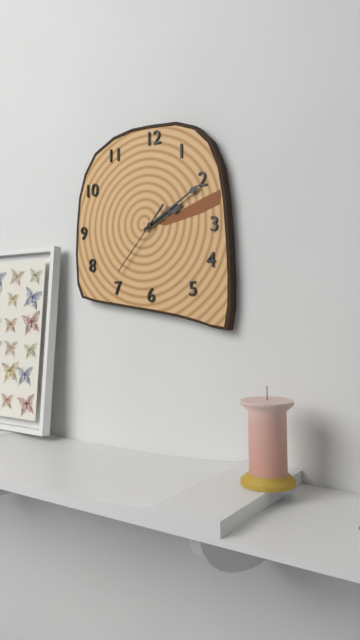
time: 2:10:37
